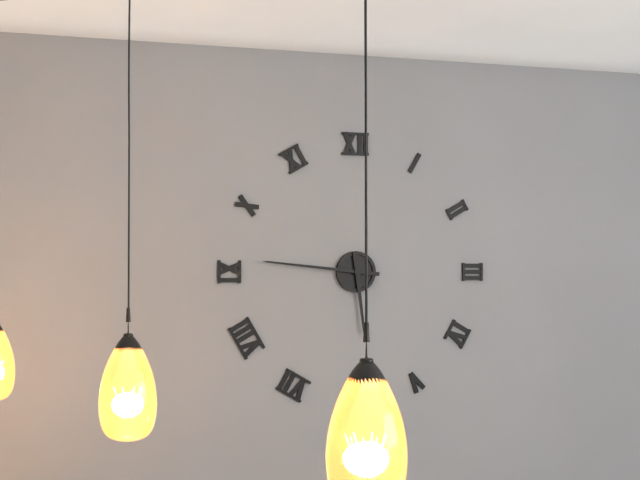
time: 5:46
